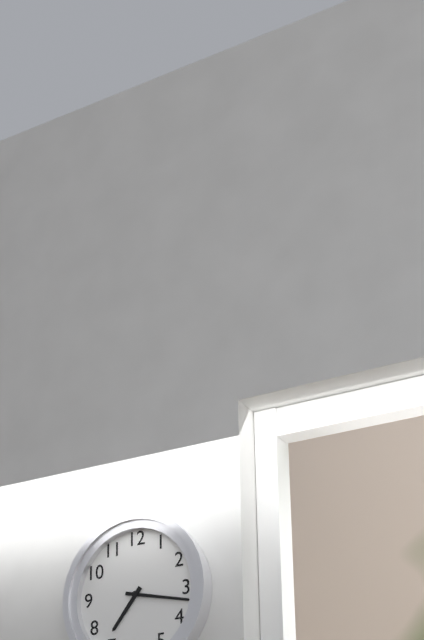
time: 7:17
